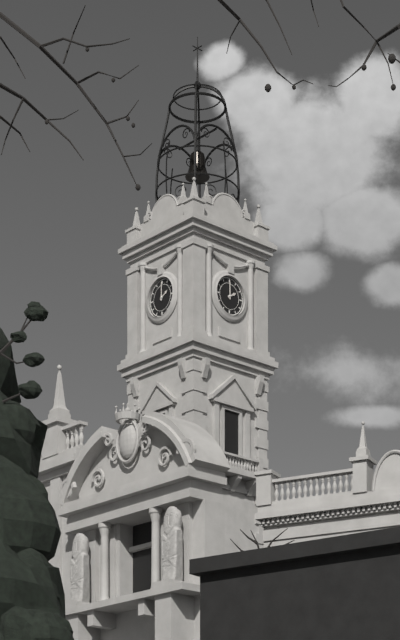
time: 2:00
